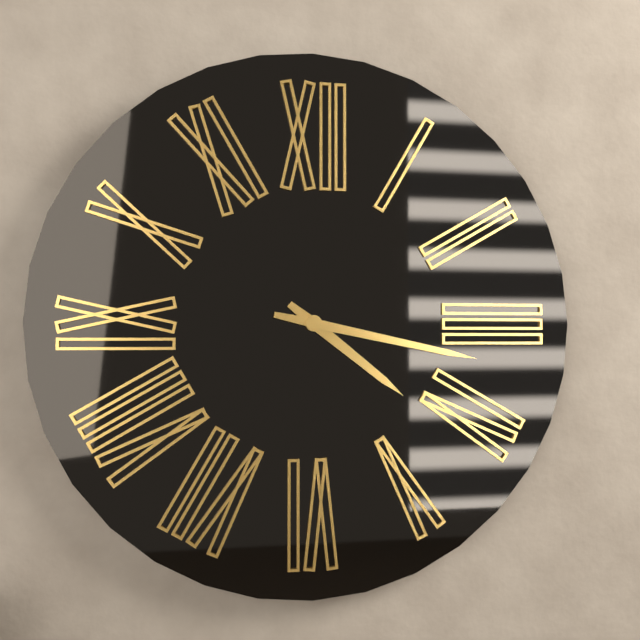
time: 4:17
